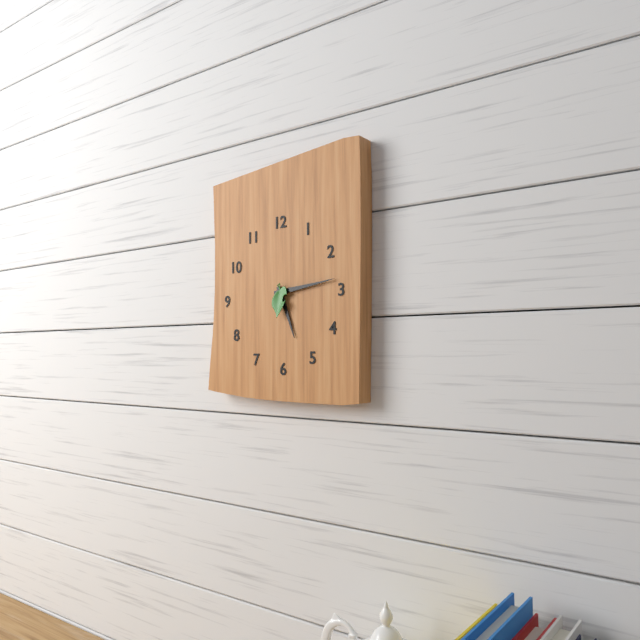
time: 5:14
